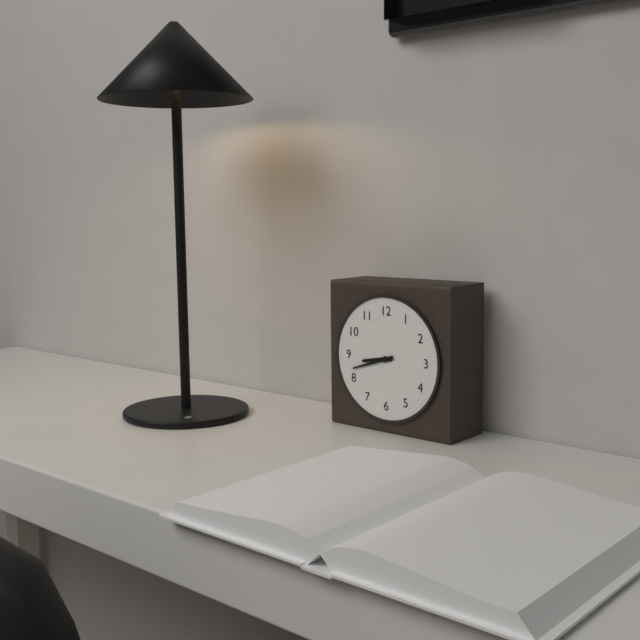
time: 8:42
